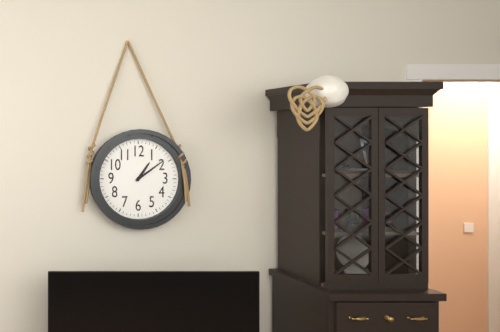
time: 1:09
